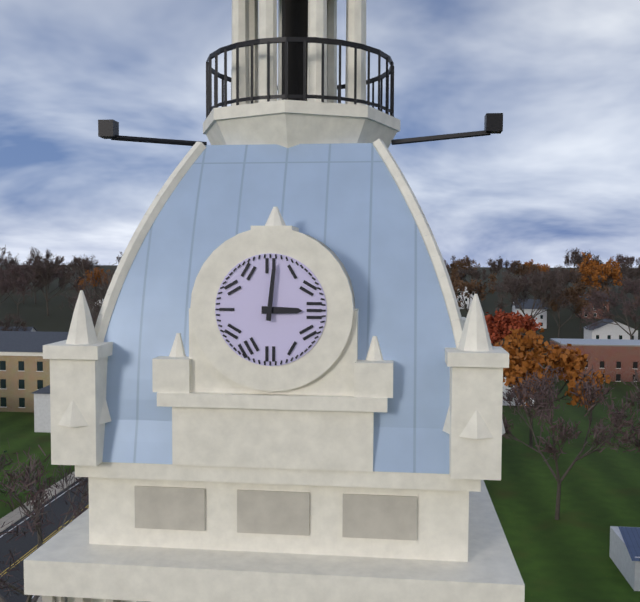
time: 3:01
